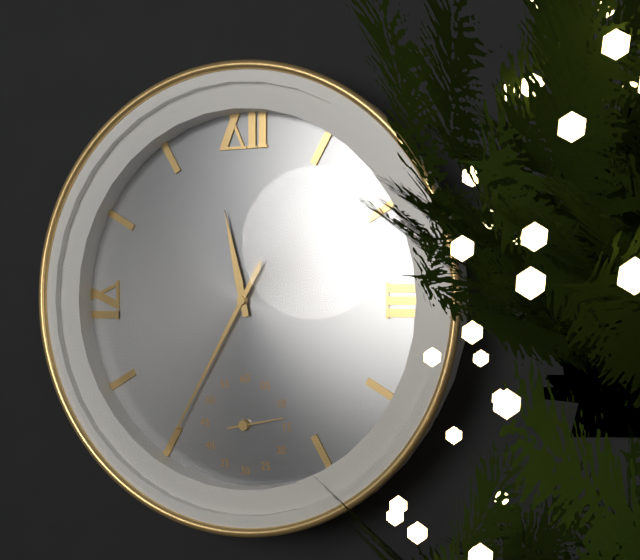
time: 11:35
